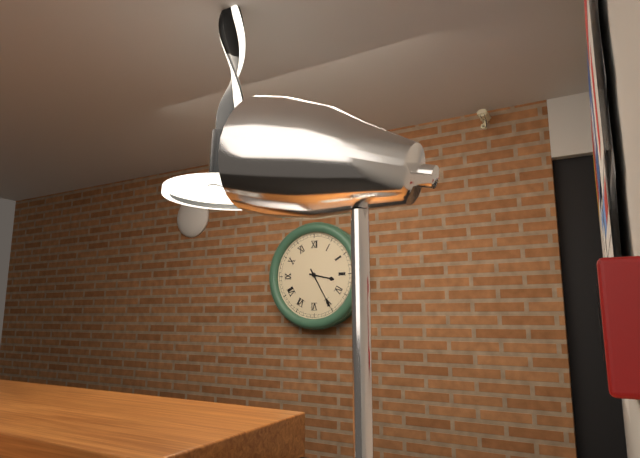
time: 3:25
